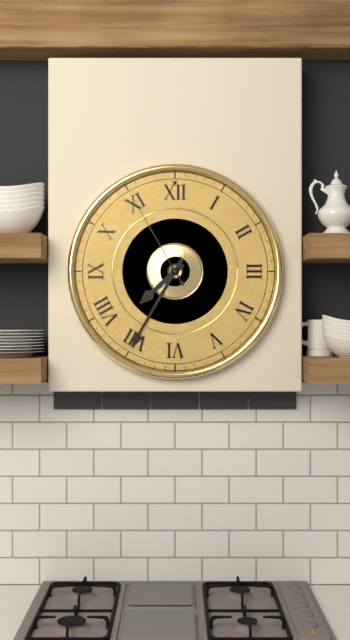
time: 7:35:55
